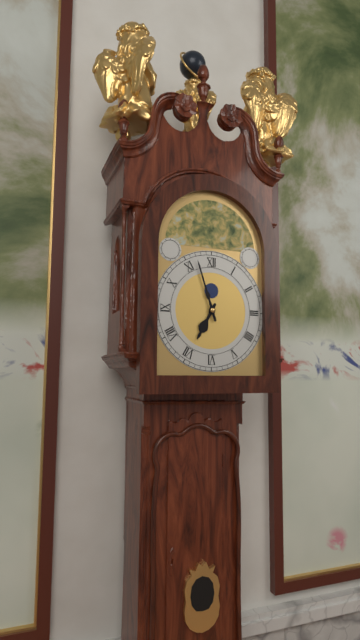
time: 6:57
